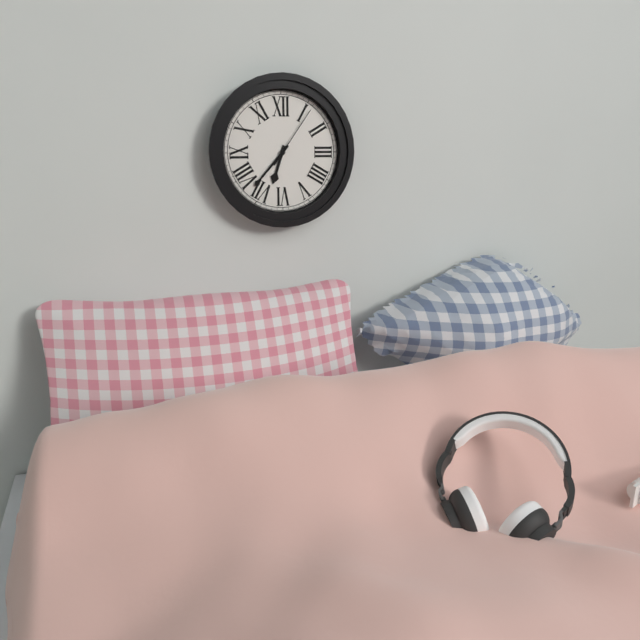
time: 6:37:06
